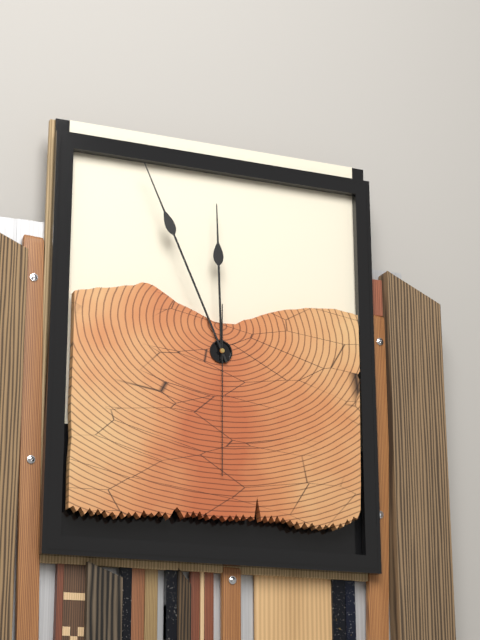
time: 11:56:30
